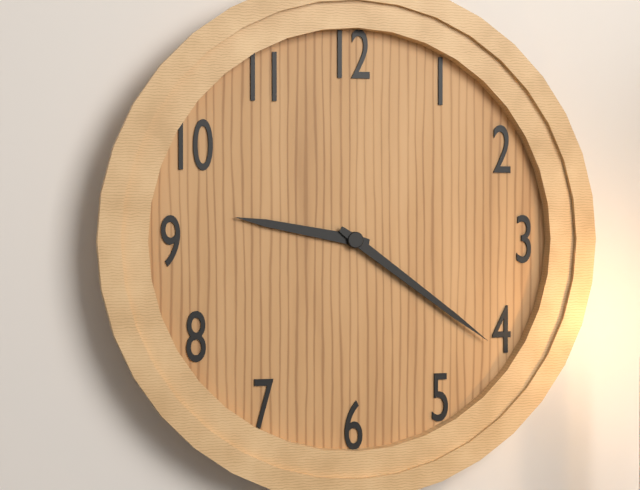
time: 9:21
